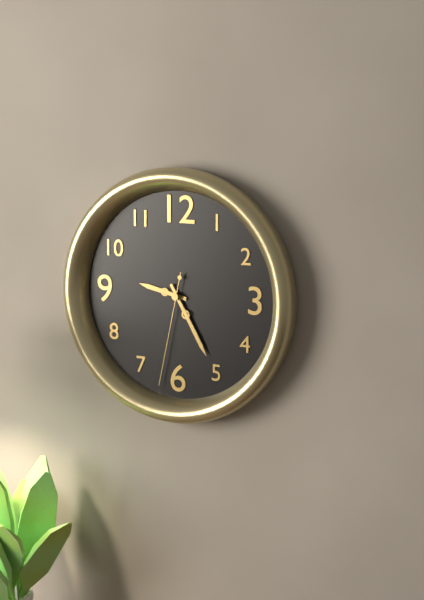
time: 9:25:32
